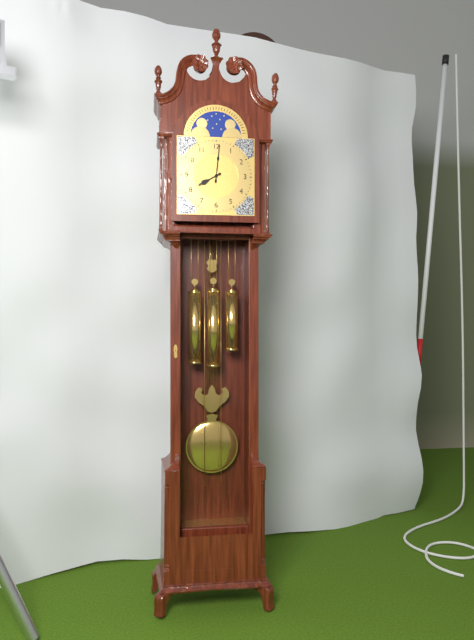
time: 8:01
